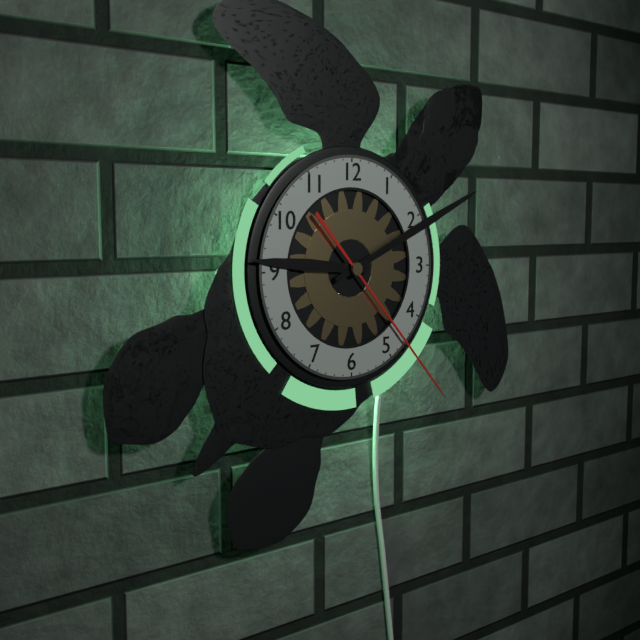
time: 9:11:23
